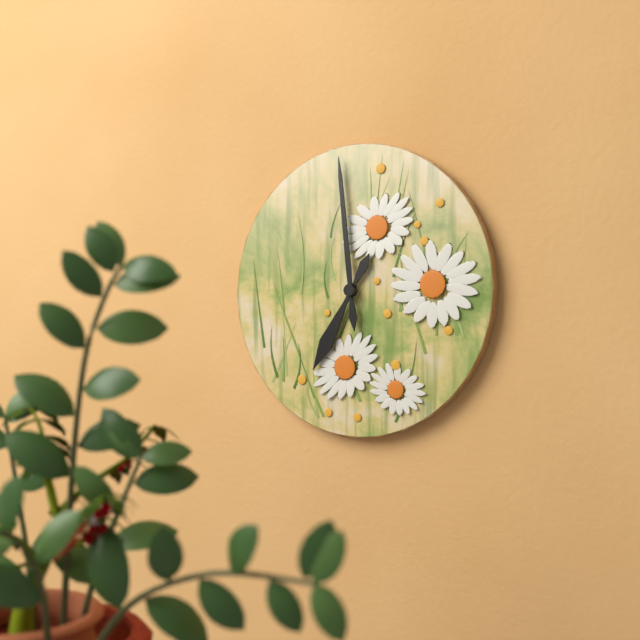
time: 6:59
